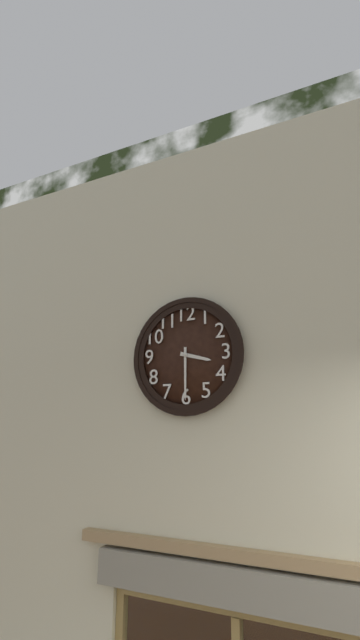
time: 3:30
